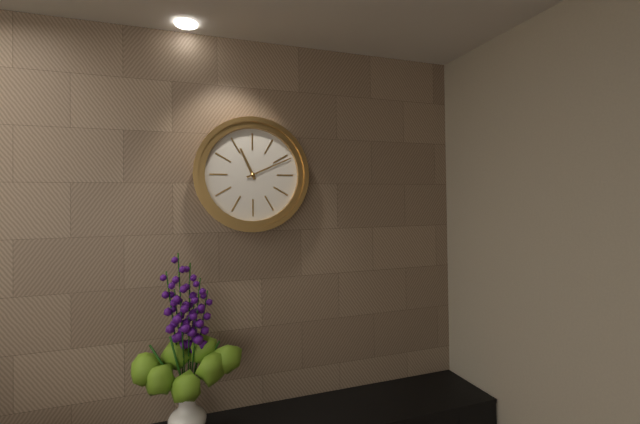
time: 11:11
